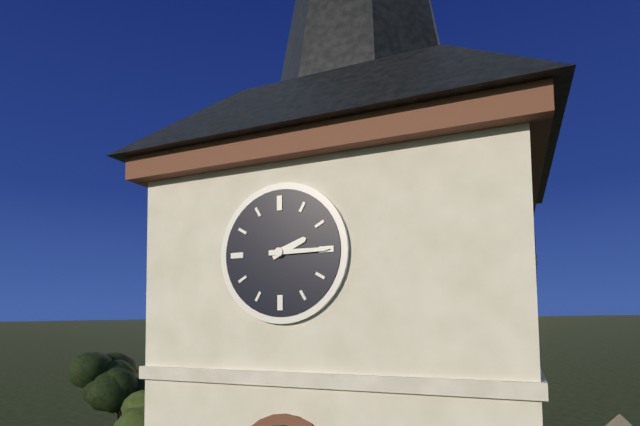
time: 2:15
